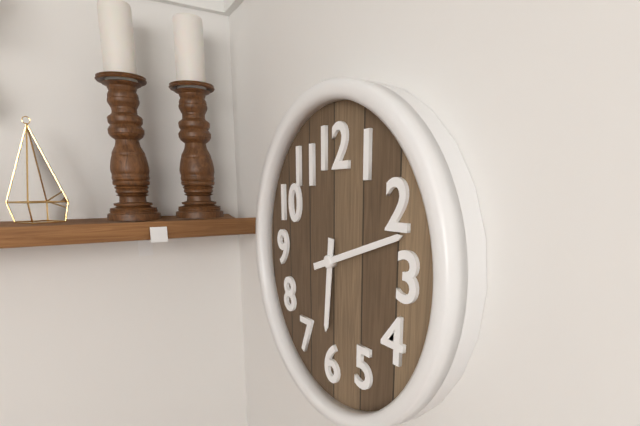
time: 6:12
